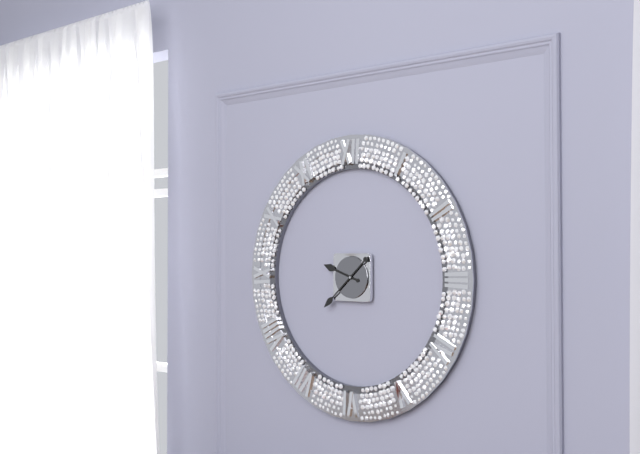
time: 9:38
